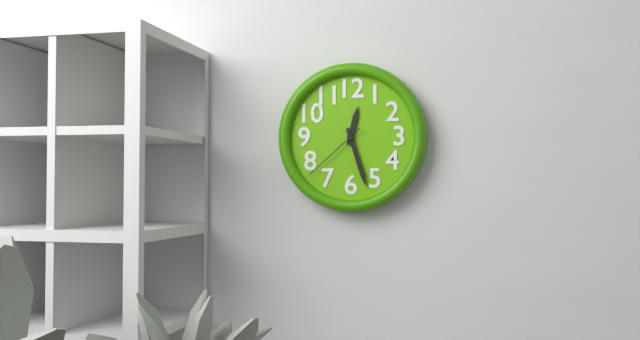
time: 12:27:38
